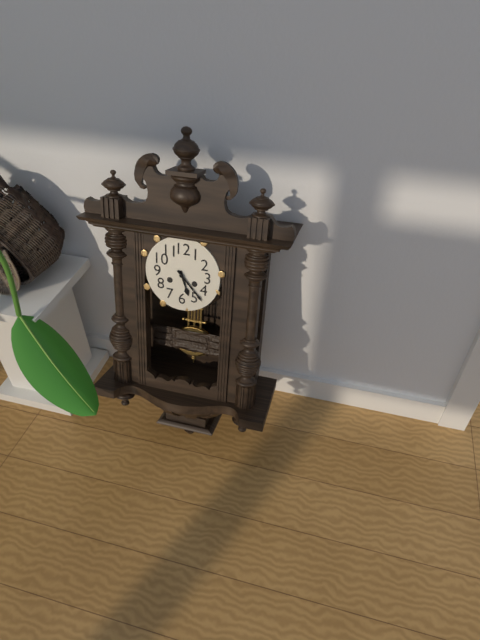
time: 5:23
